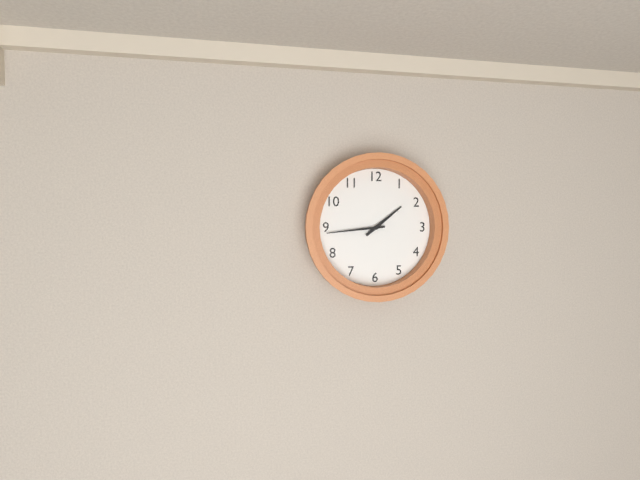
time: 1:44
